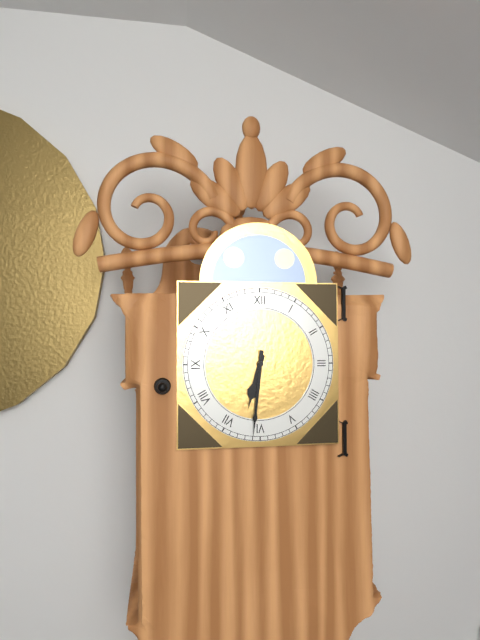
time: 6:31
